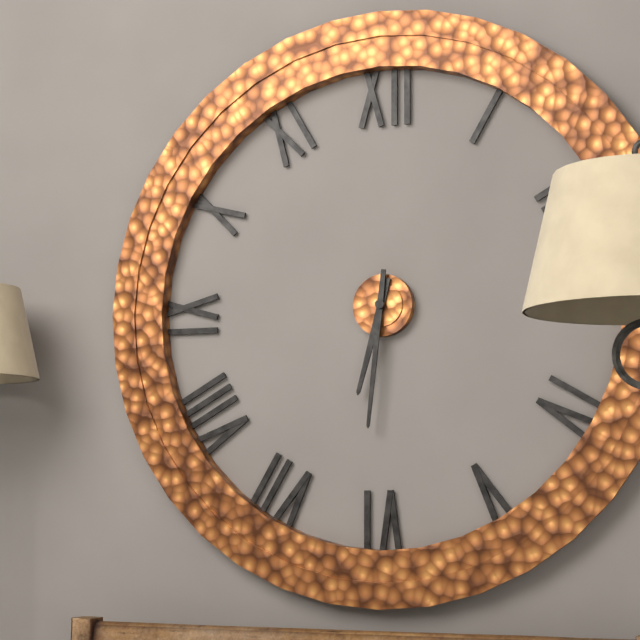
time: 6:31
